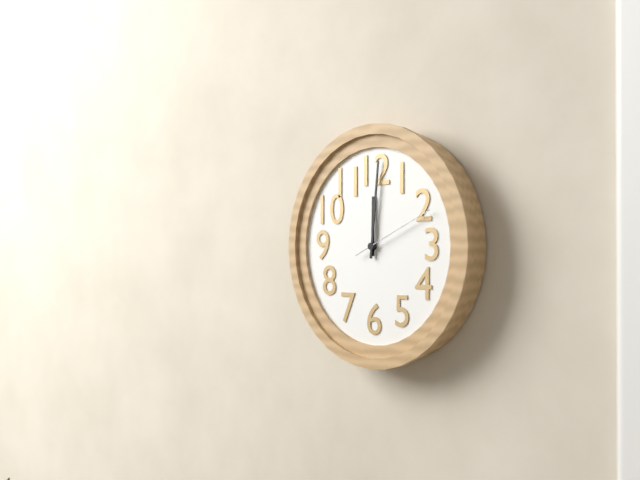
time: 12:01:11
